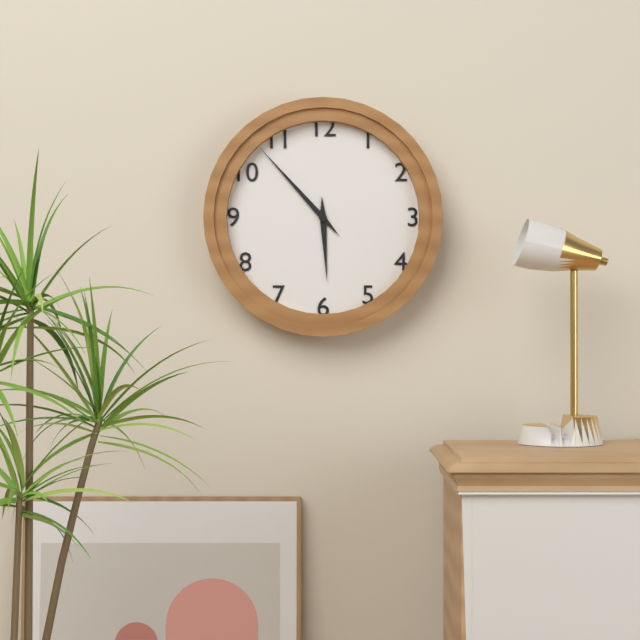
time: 5:53
